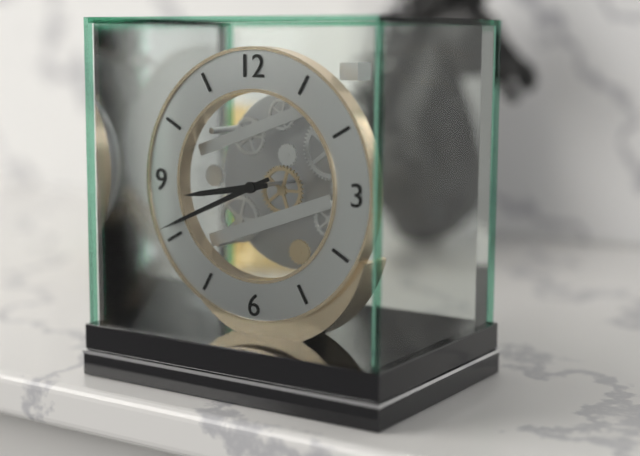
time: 8:41
